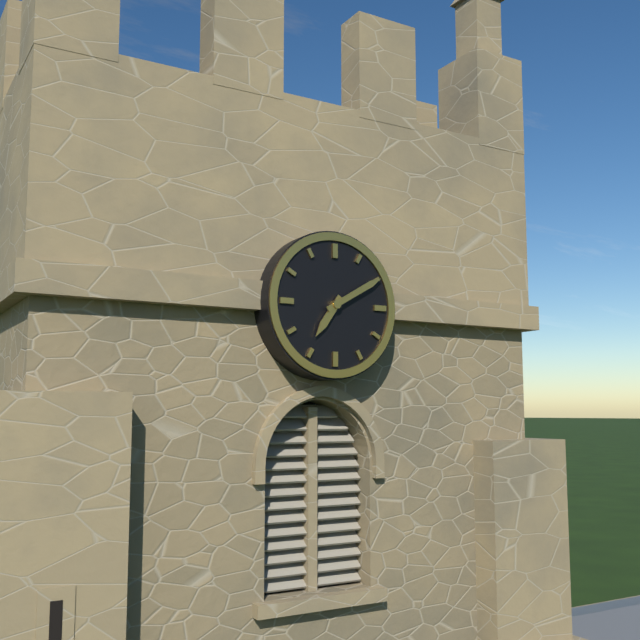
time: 7:10
